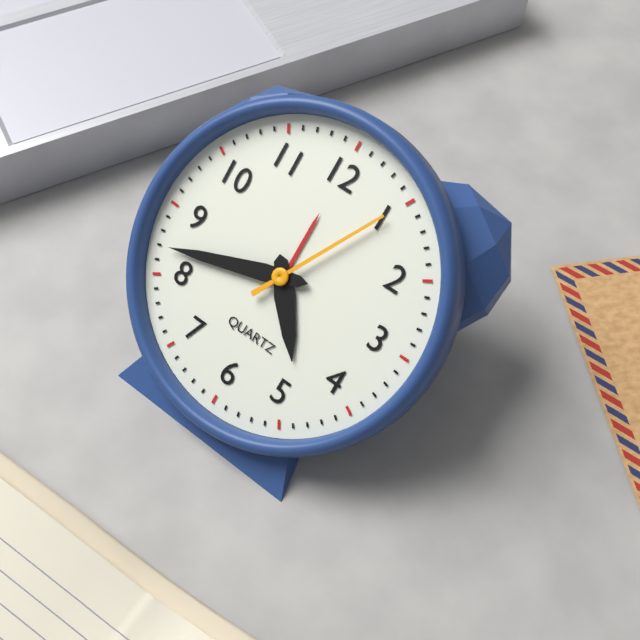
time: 4:42:05
